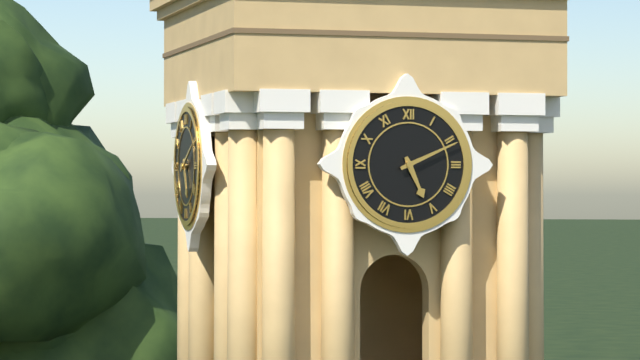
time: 5:11
